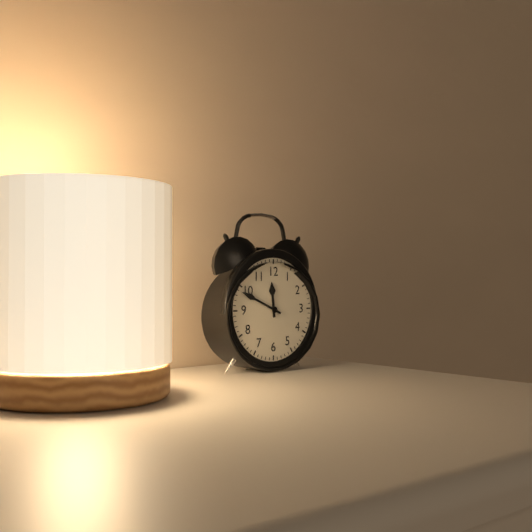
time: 11:49
